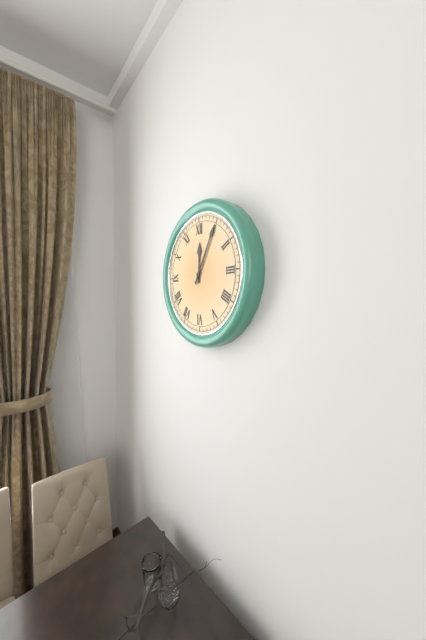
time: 12:05
